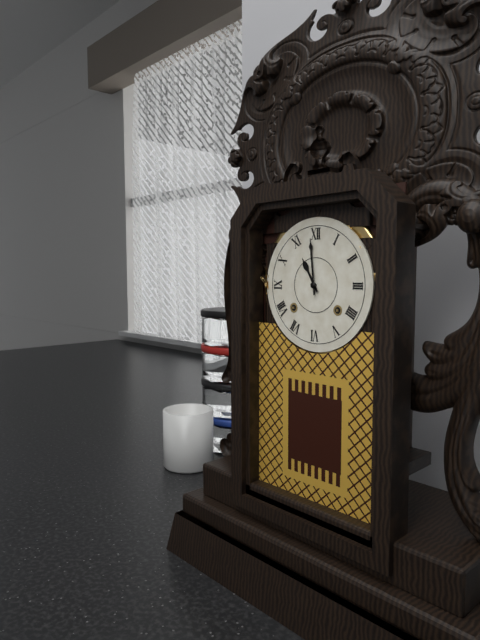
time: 10:59
